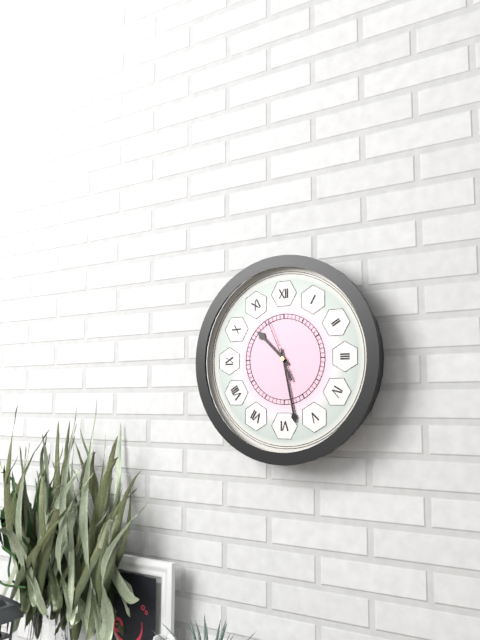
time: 10:28:56
